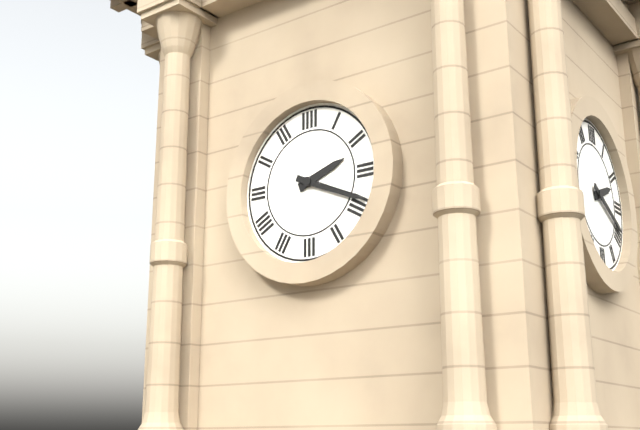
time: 2:19
